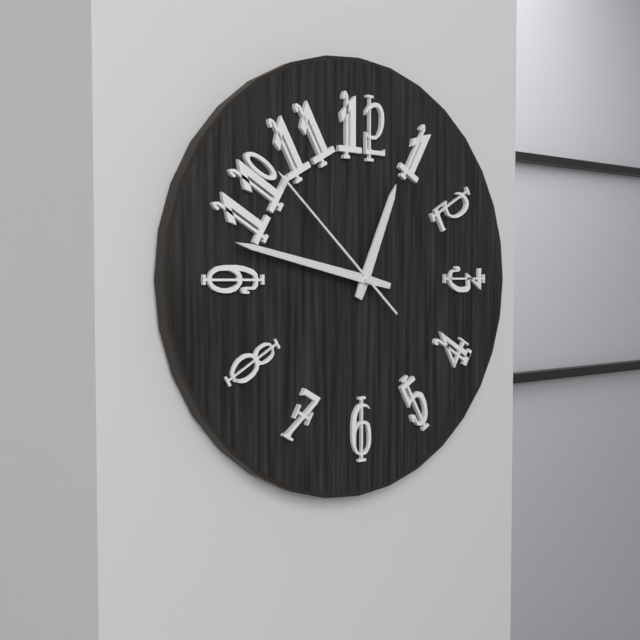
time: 12:47:52
